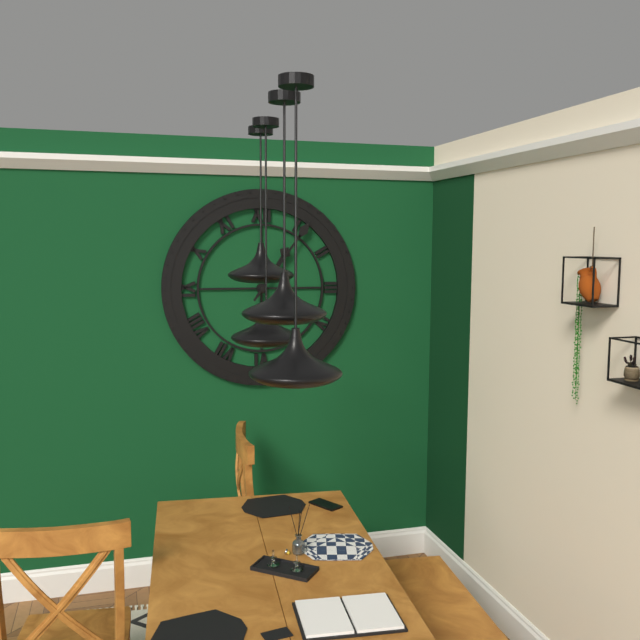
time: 1:06
